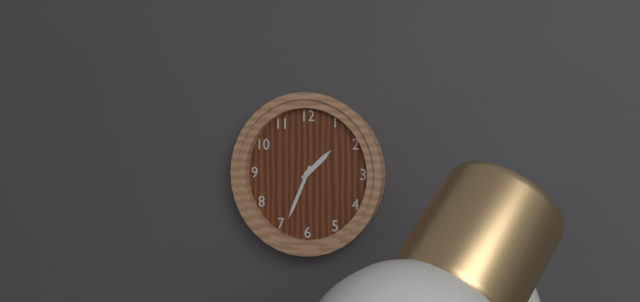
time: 1:34
